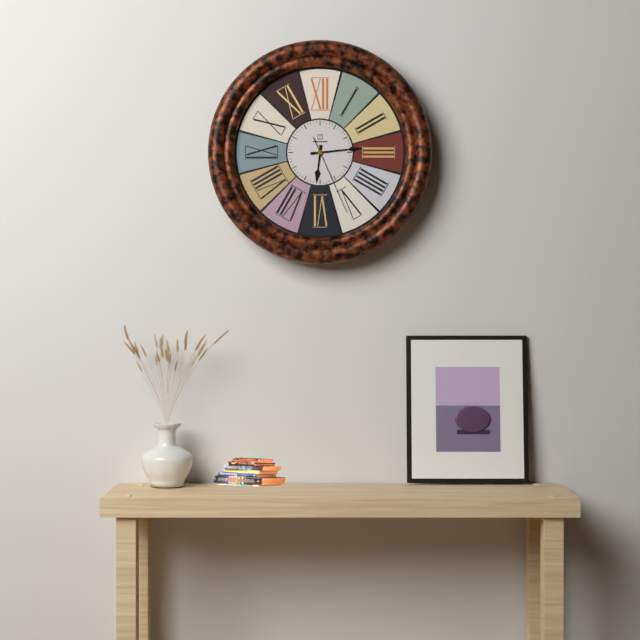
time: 6:14:26
